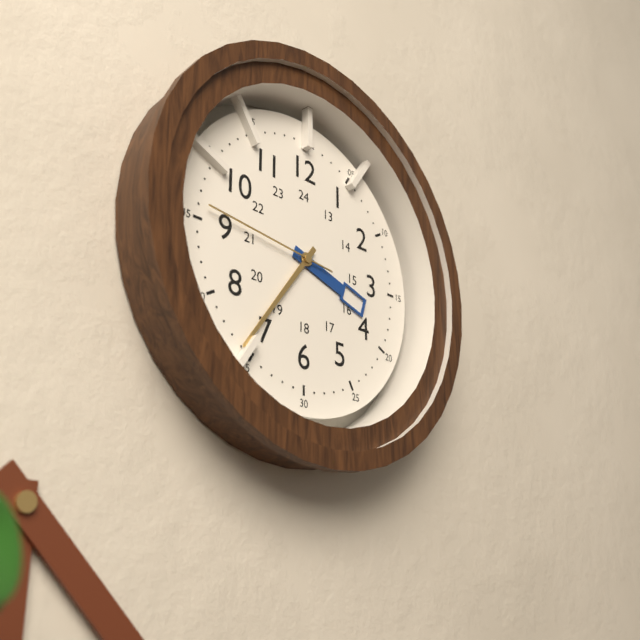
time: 3:36:46
